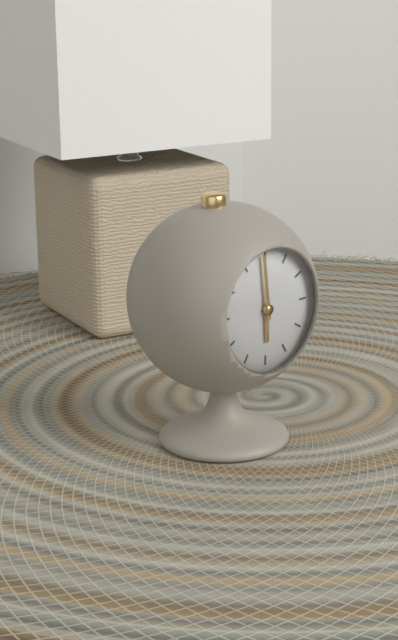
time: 5:59
